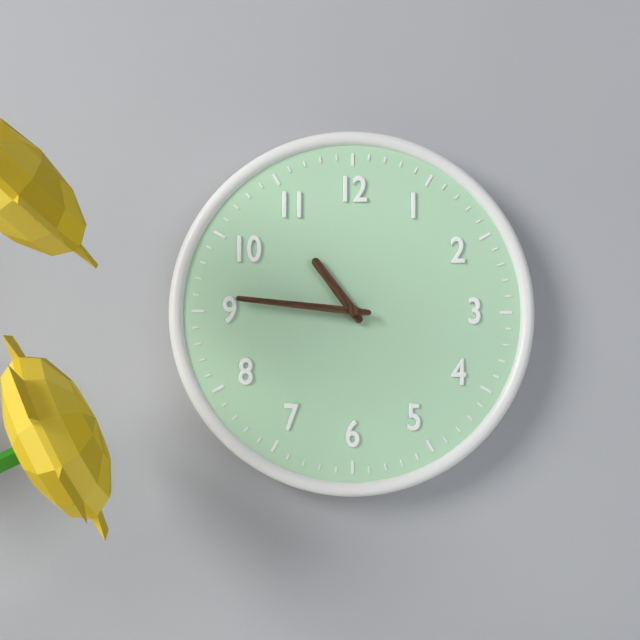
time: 10:46
